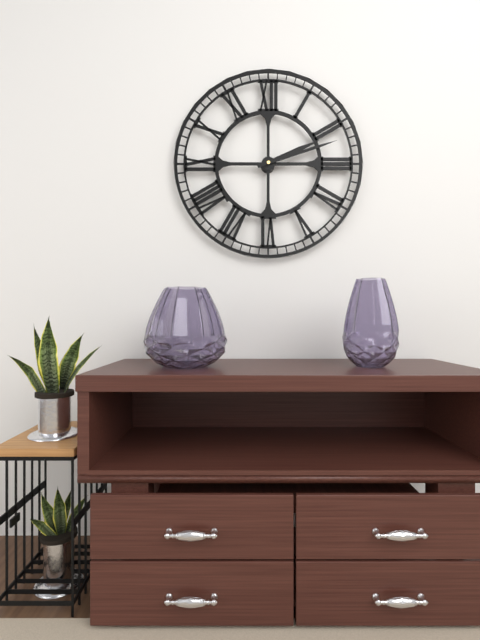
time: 2:12
